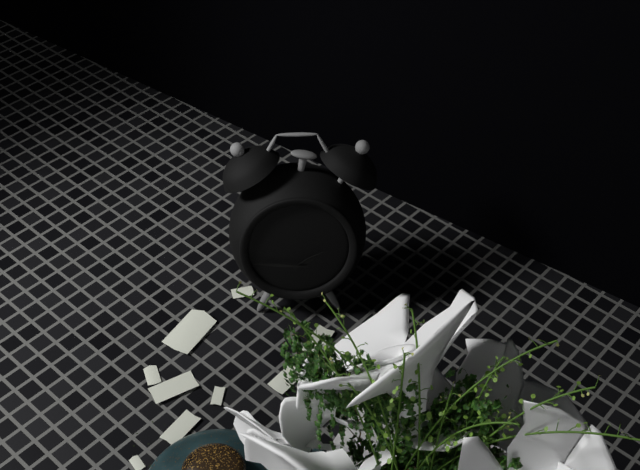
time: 1:46
